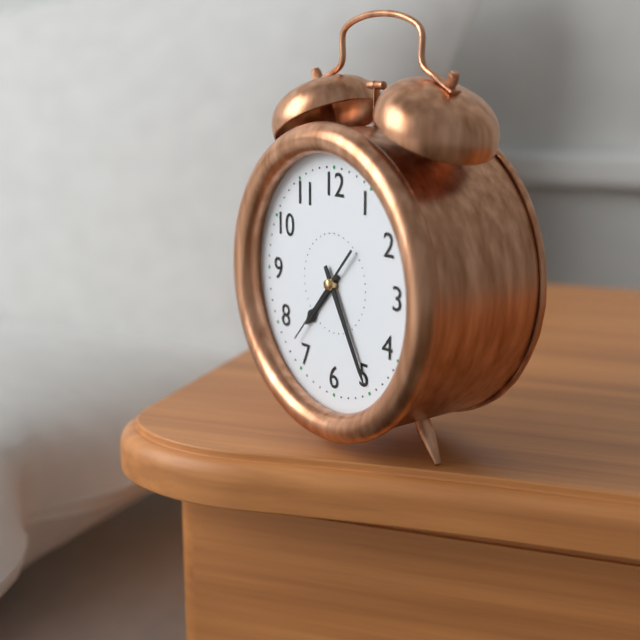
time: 7:25:37
